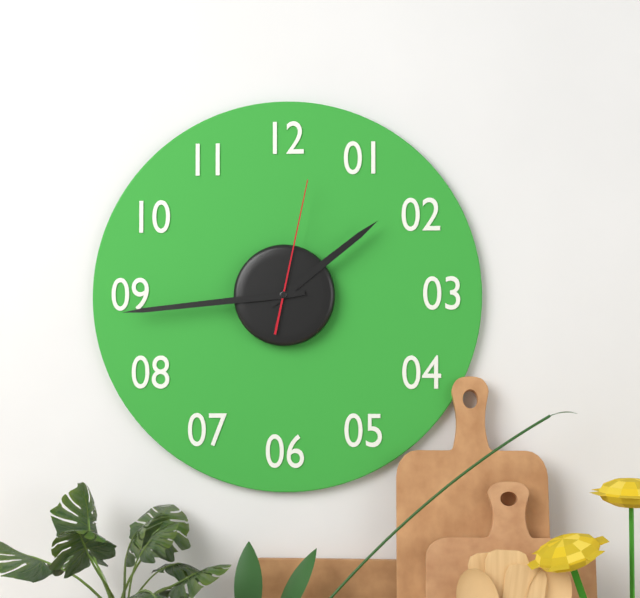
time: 1:44:02
